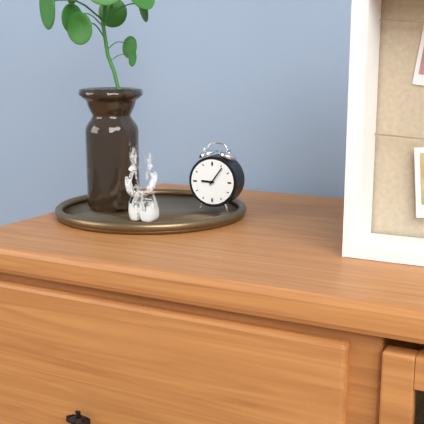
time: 9:06
